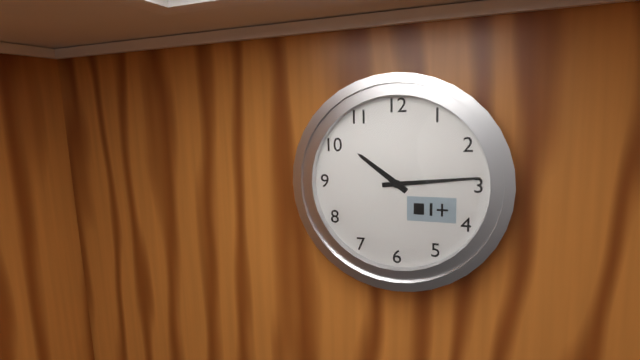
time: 10:14
